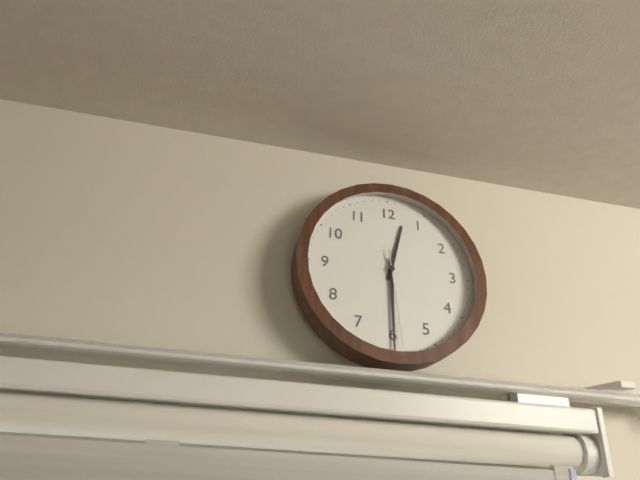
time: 12:30:29
